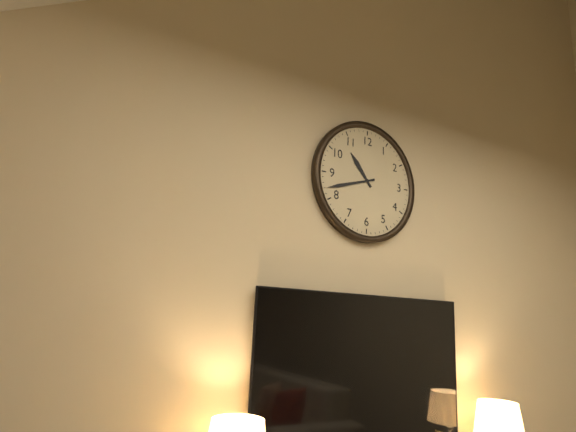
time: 10:42
